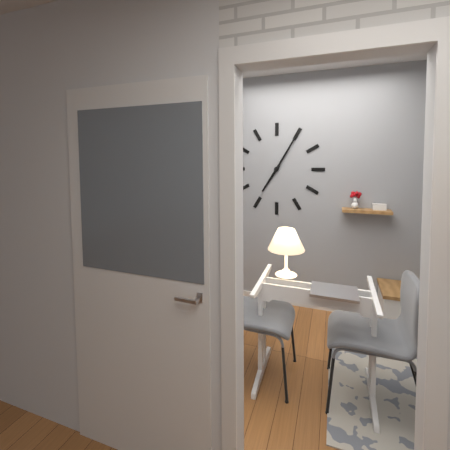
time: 7:05
